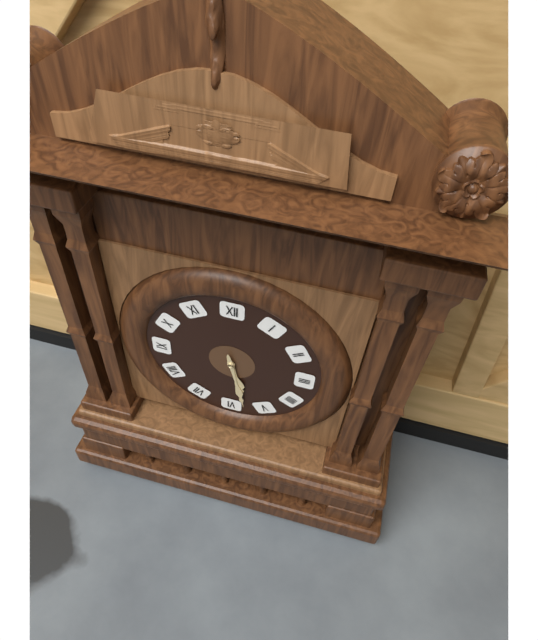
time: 5:28
